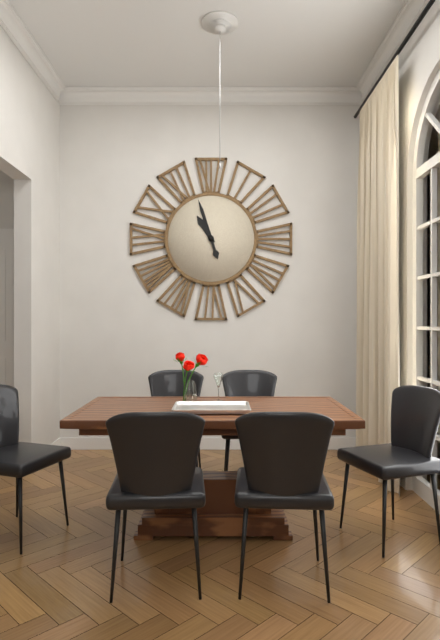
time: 10:57
